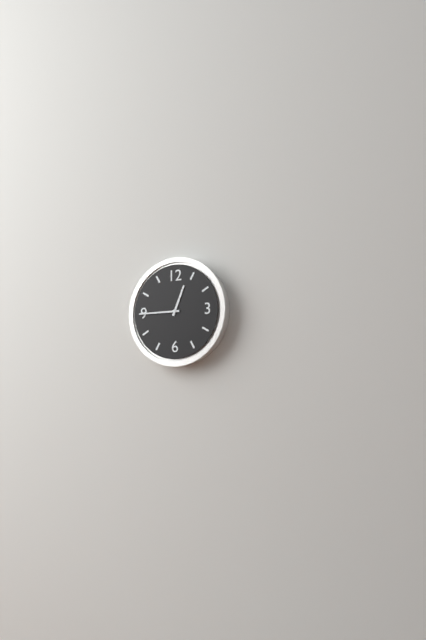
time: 12:45
